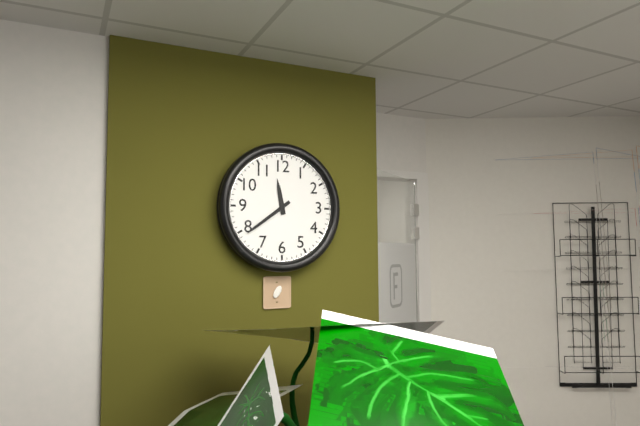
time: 11:39
